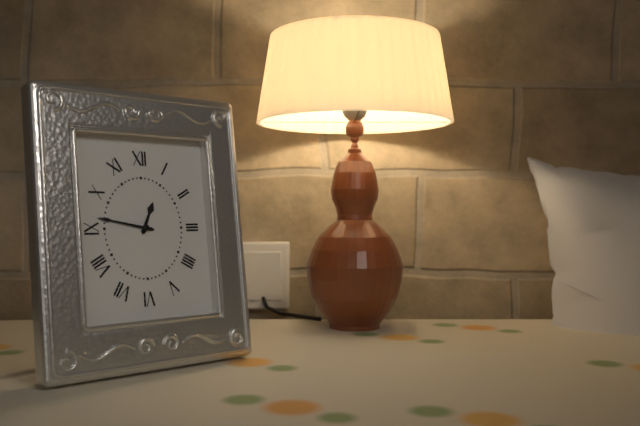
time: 12:47
